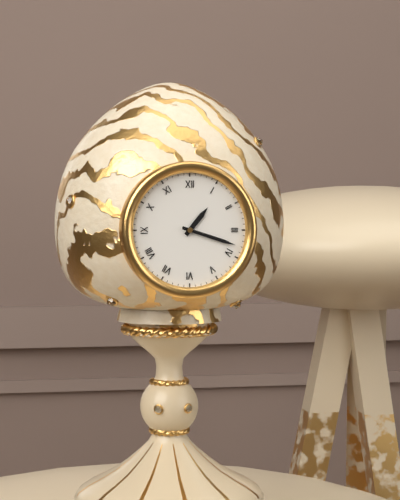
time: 1:18
